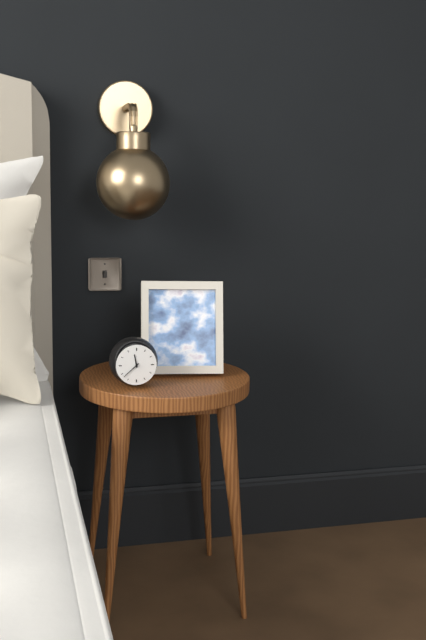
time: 11:38
